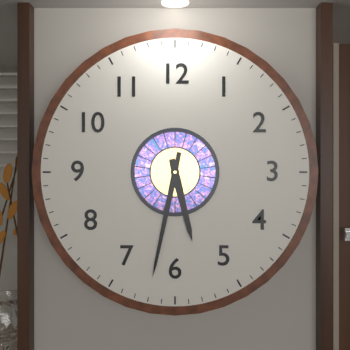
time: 5:32
